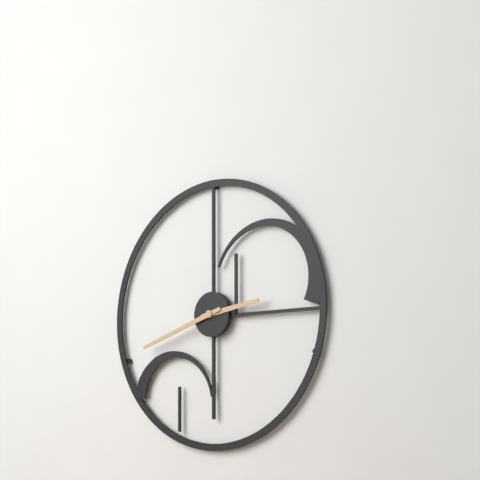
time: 2:42
